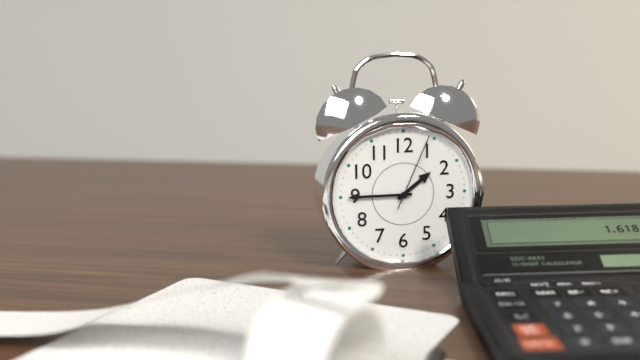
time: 1:45:04
